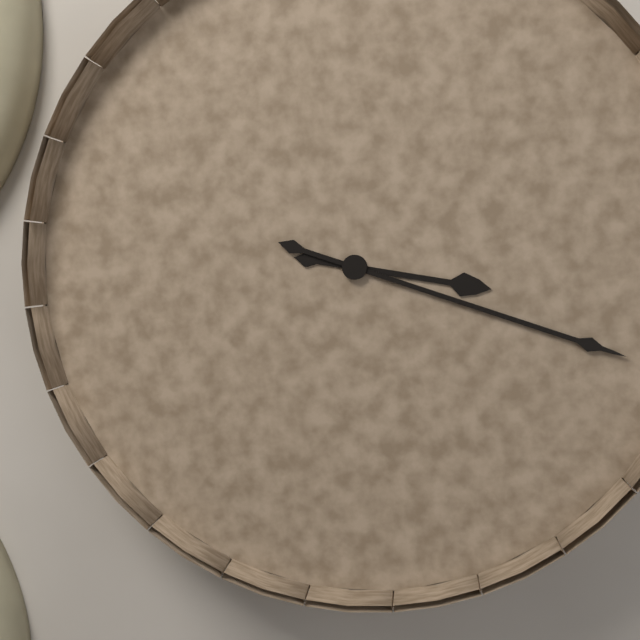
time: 3:18
